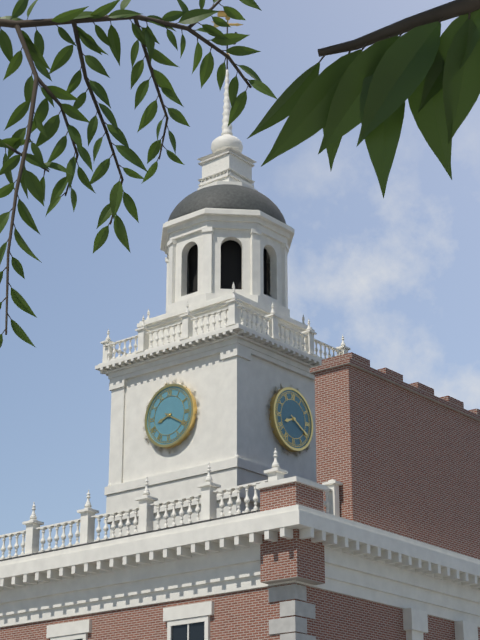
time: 8:20
